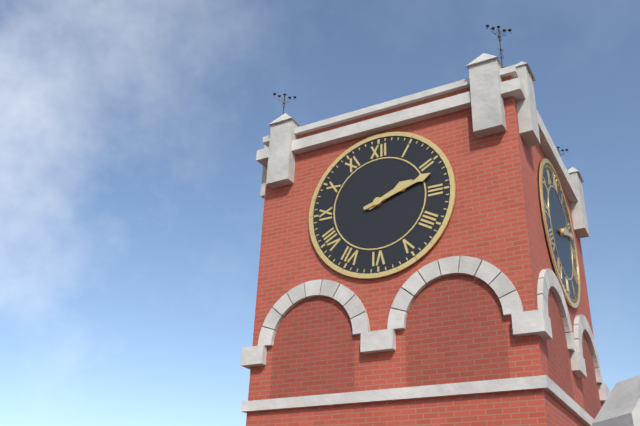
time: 2:12
